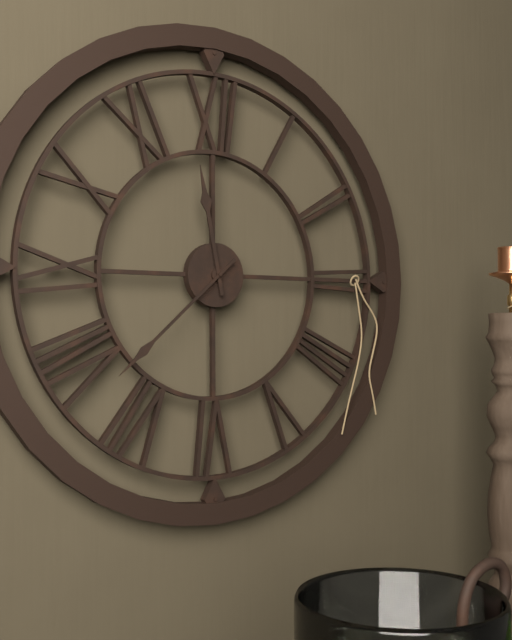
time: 11:38
